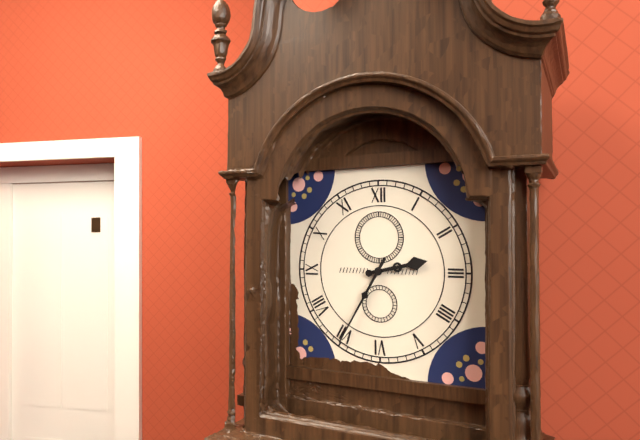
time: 2:35
